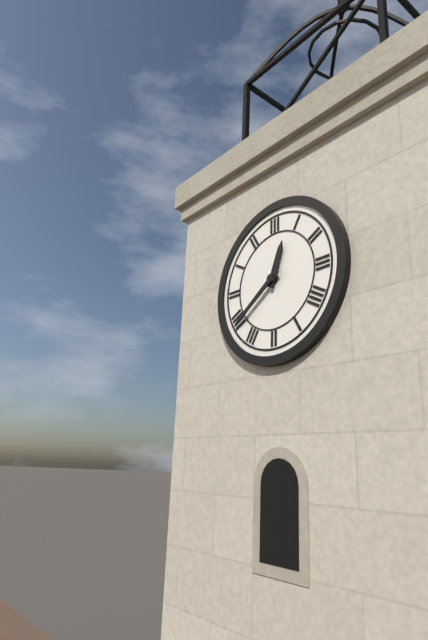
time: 12:39
